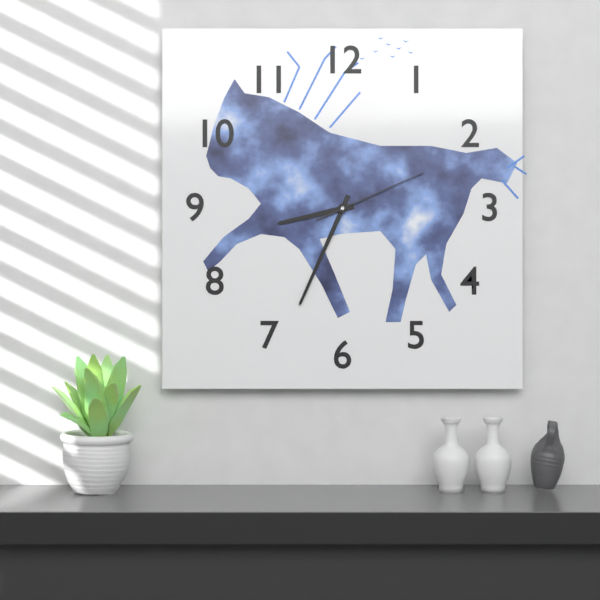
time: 8:34:11
